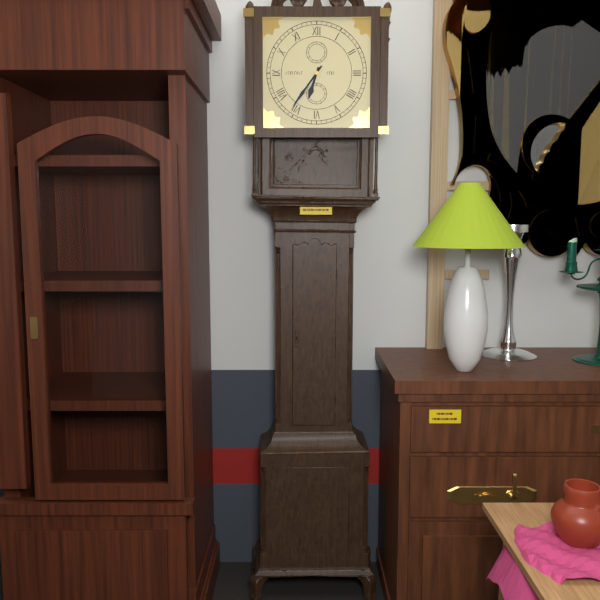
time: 6:36
